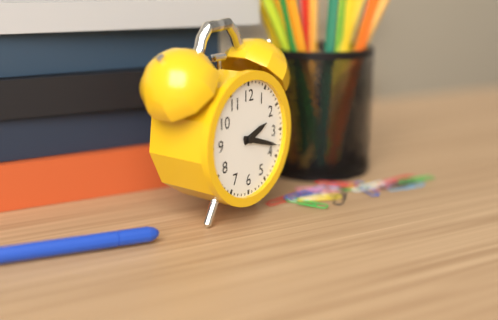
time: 2:18
